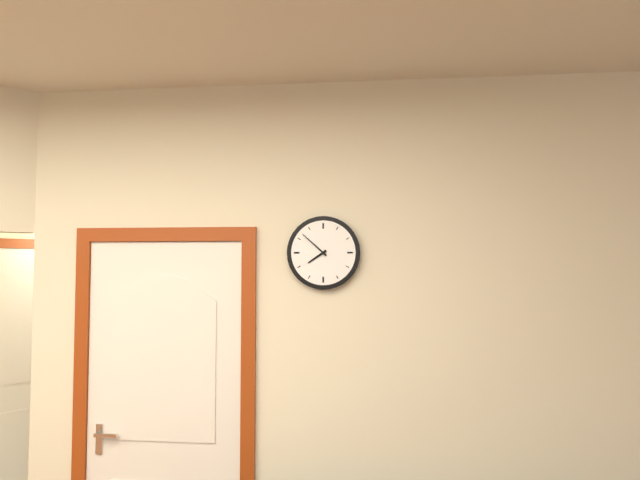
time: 7:52
